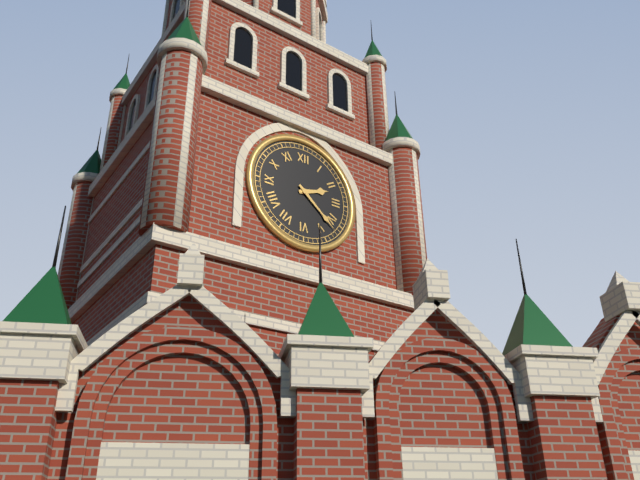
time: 2:22
